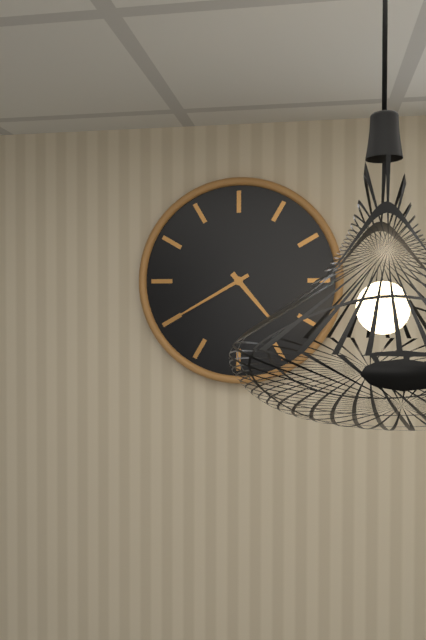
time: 4:40
